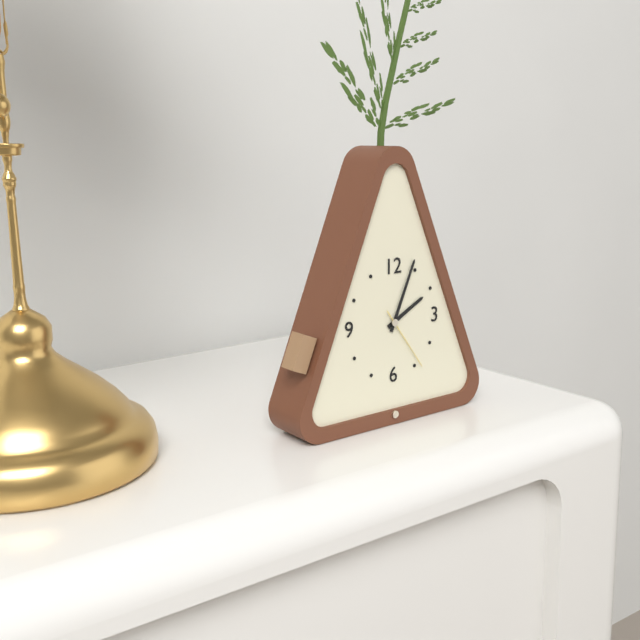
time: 2:04:24
